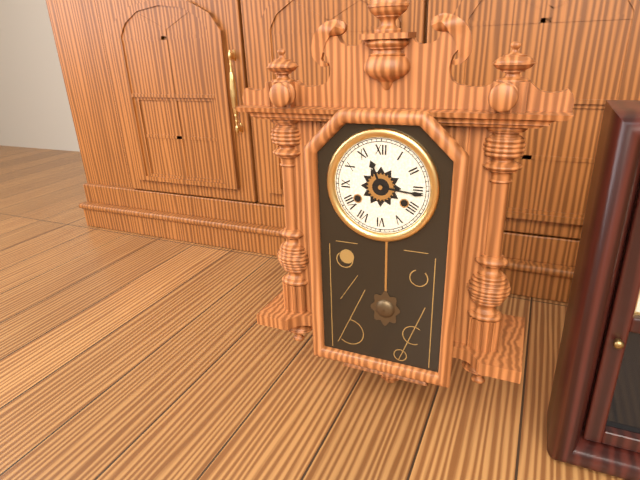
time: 11:16
